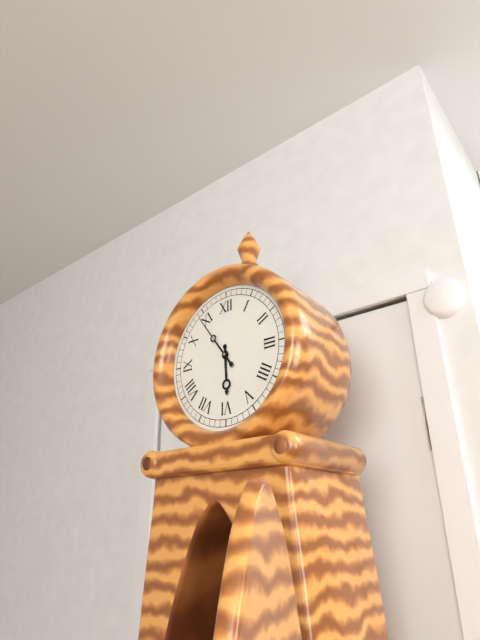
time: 5:54
